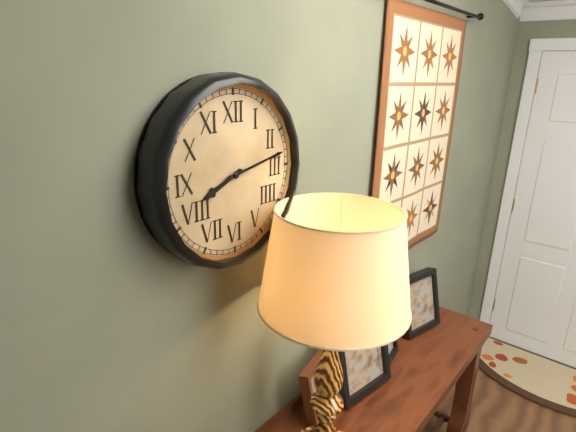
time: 8:13
